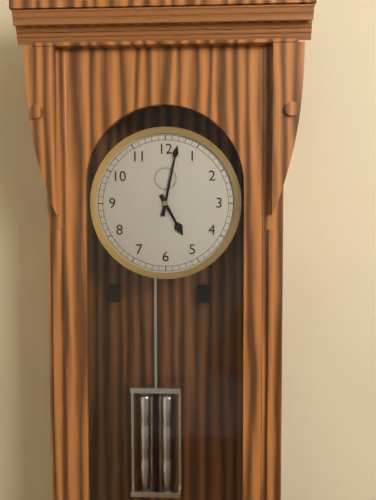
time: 5:02
